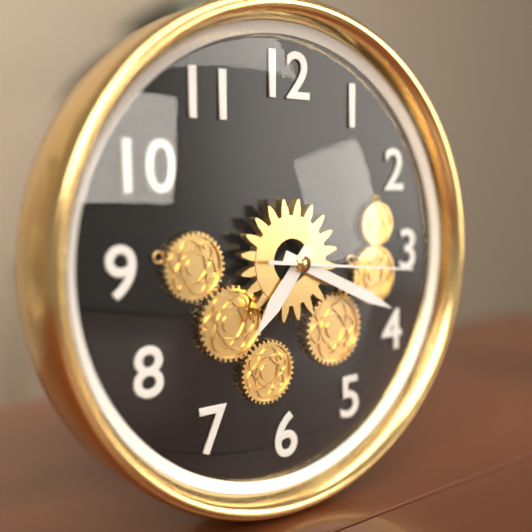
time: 7:19:16
